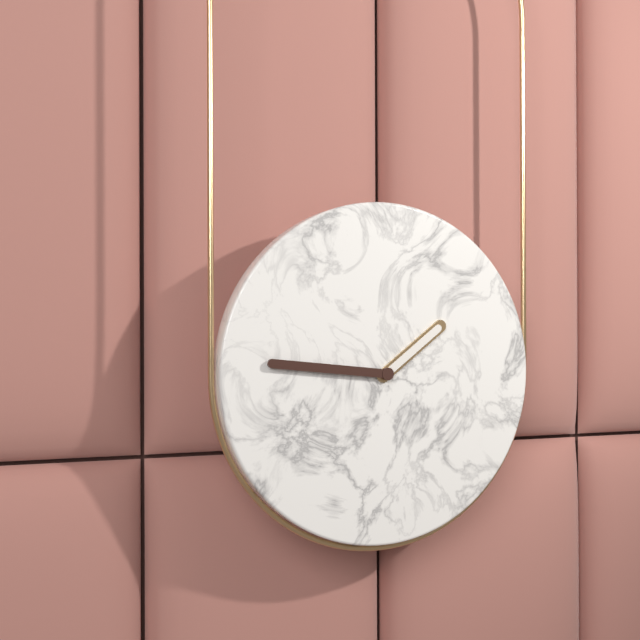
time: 1:46
